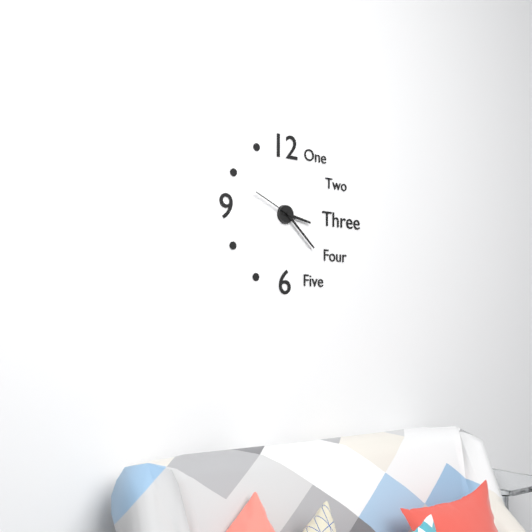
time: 3:22
